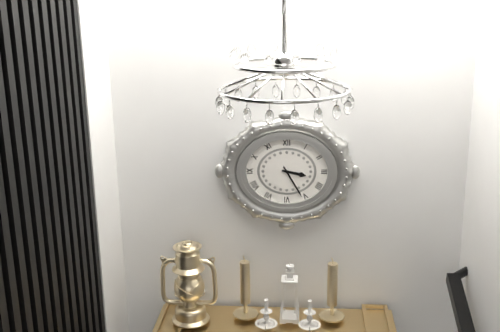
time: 3:25
